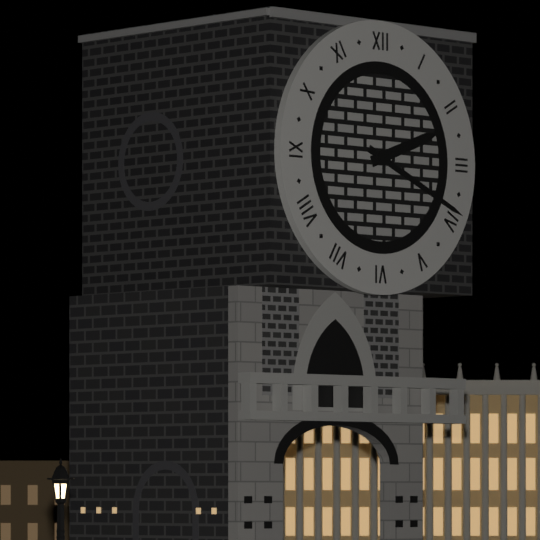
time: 2:19
